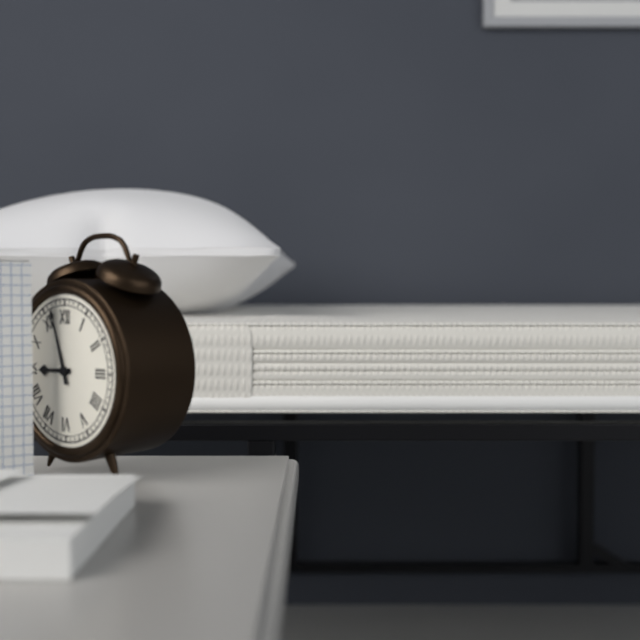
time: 8:57
